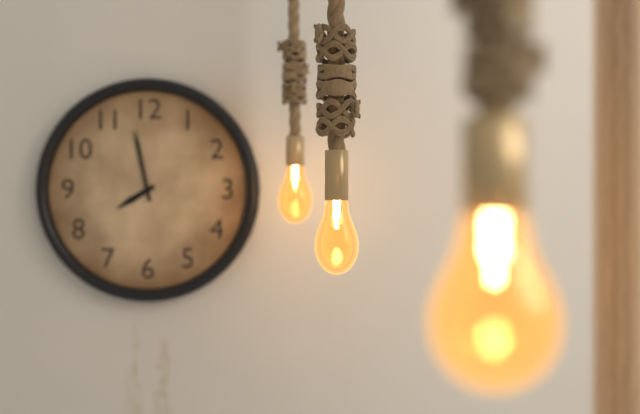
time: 7:58
